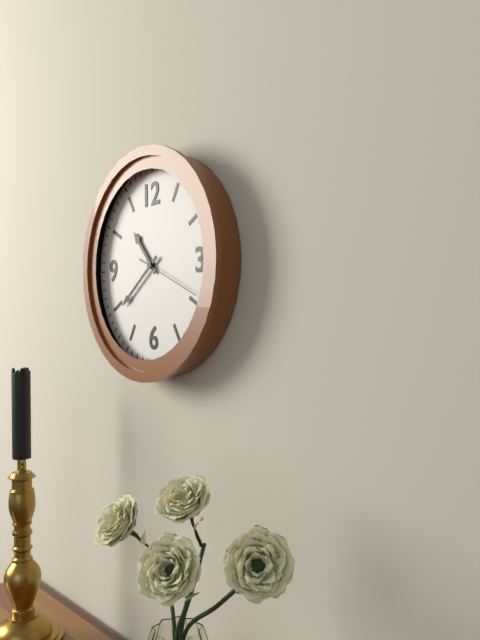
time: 10:39
